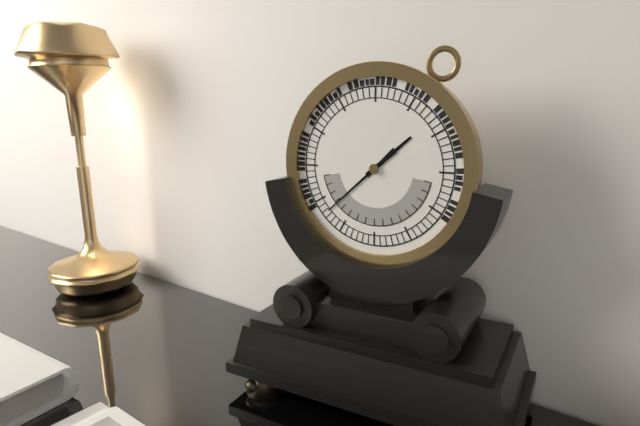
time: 1:38
